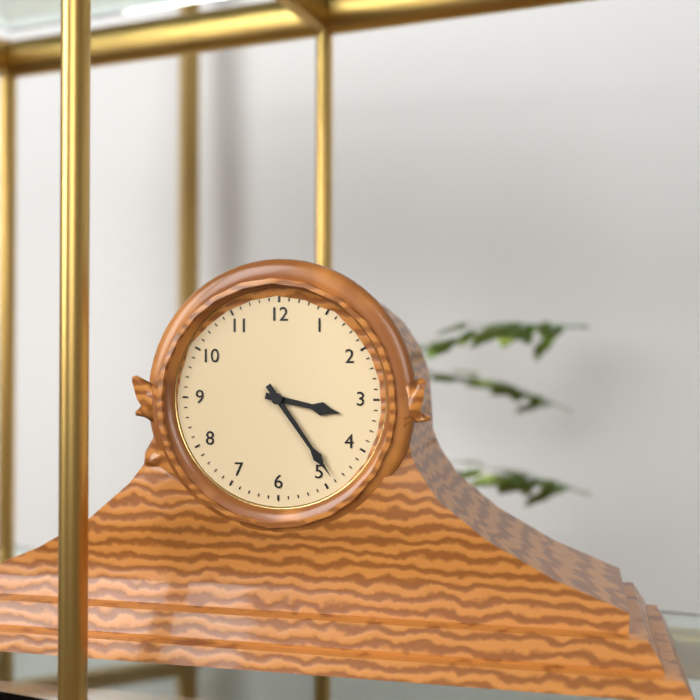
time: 3:24
